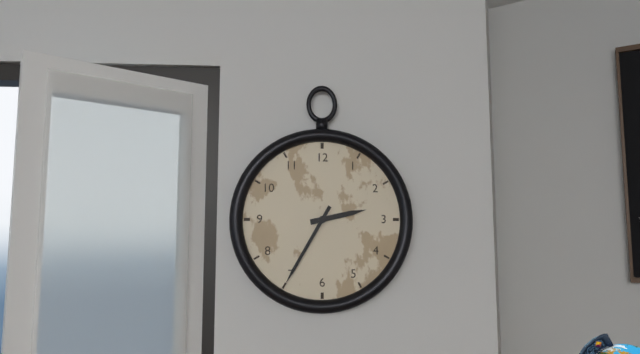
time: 2:35
